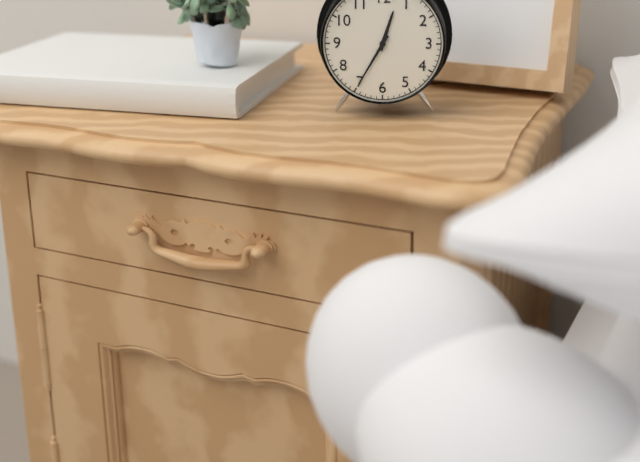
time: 12:35
